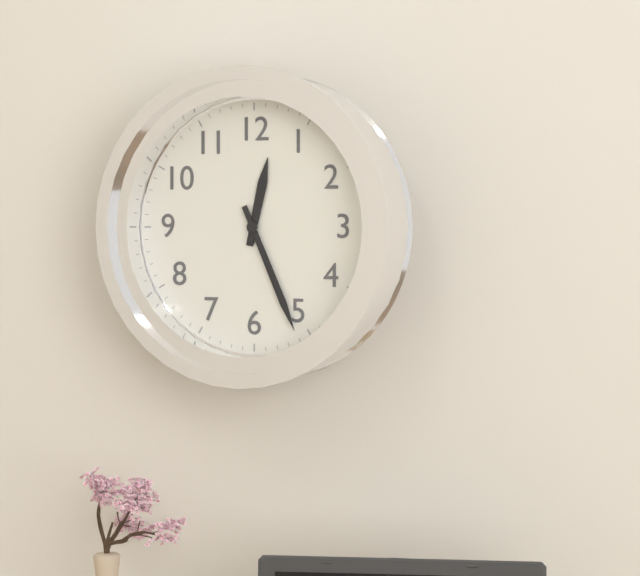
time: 12:26
